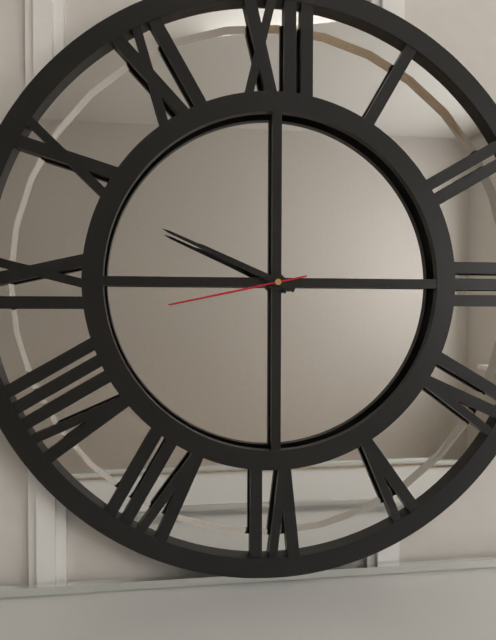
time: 9:49:43
